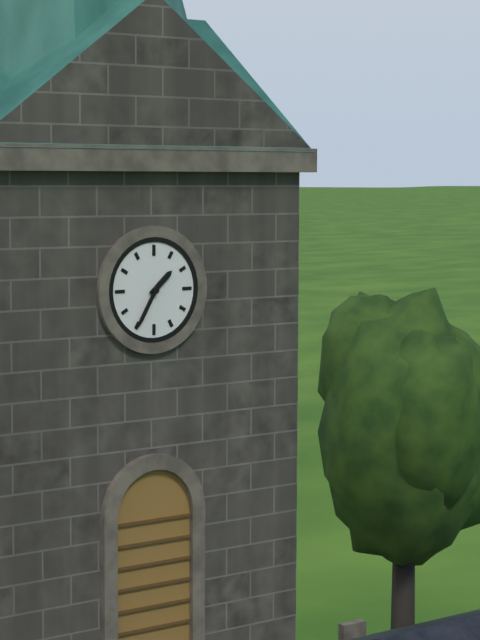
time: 1:35
